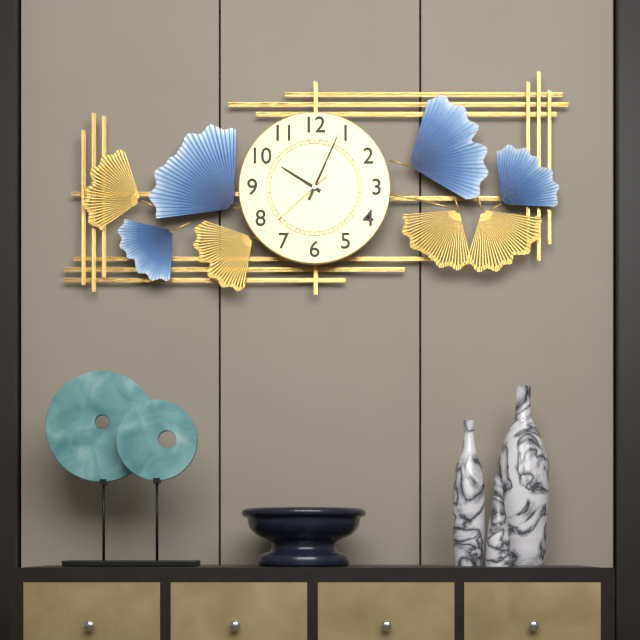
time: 10:04:38
